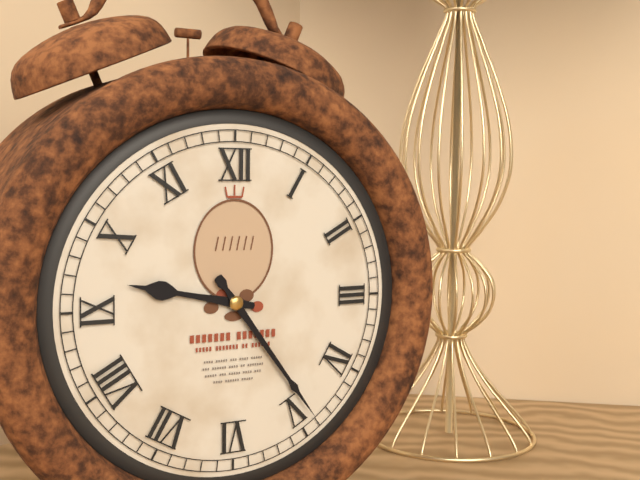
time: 9:24
